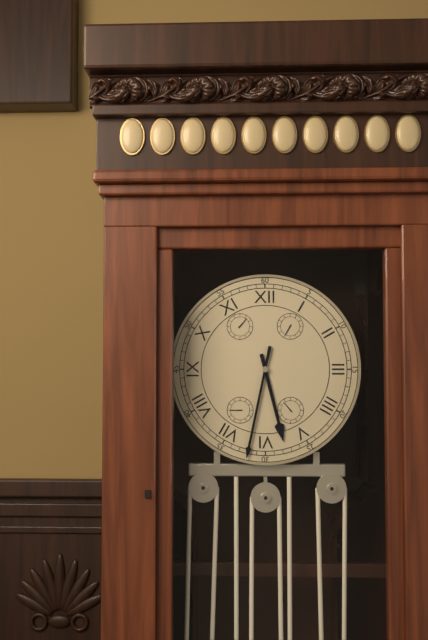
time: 5:32
